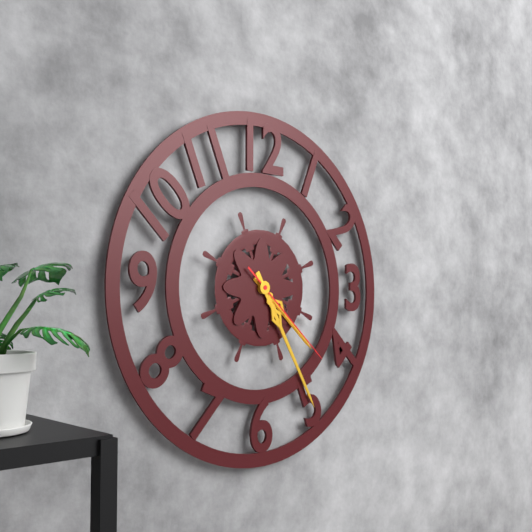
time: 4:25:22
